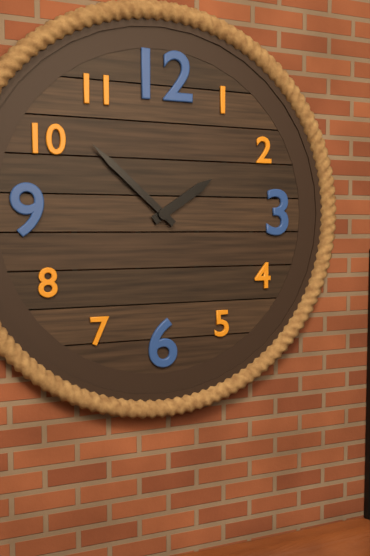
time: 1:52
